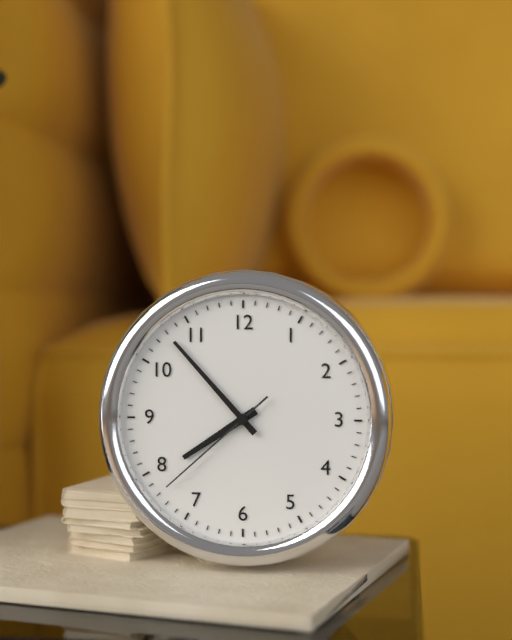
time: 7:53:38
